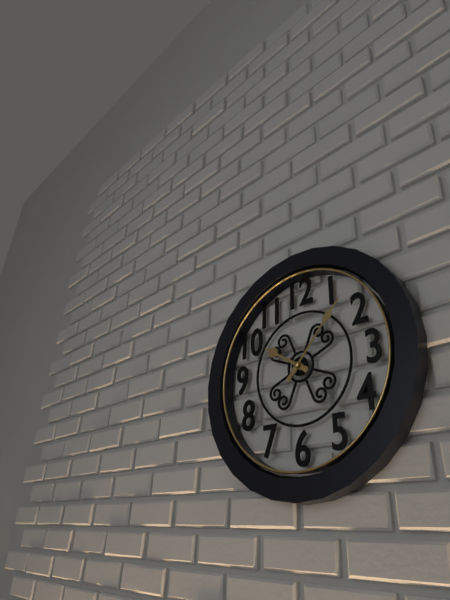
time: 10:07
